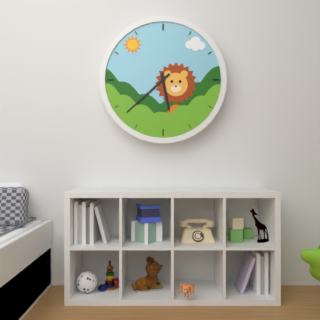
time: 5:38
